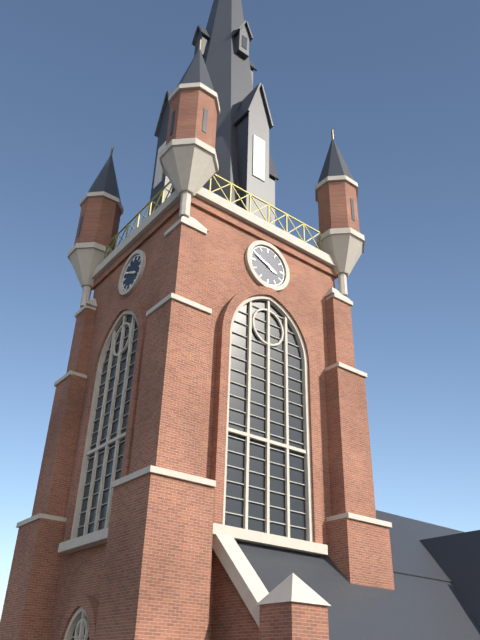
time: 3:49
